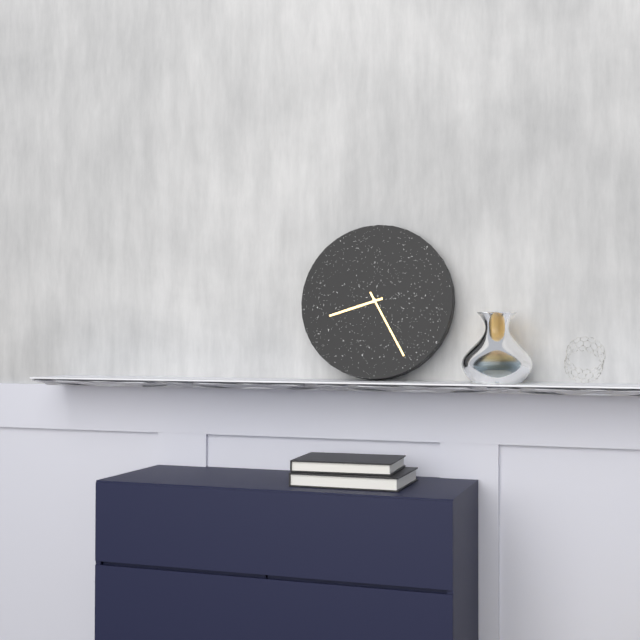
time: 8:25
